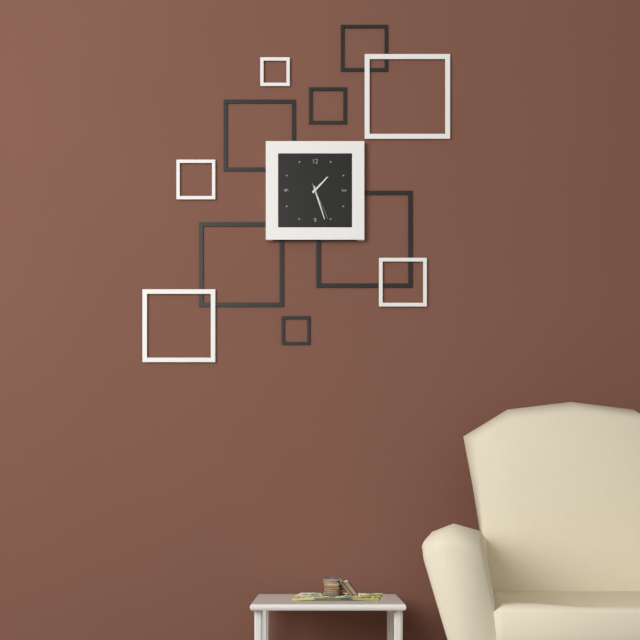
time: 1:27
